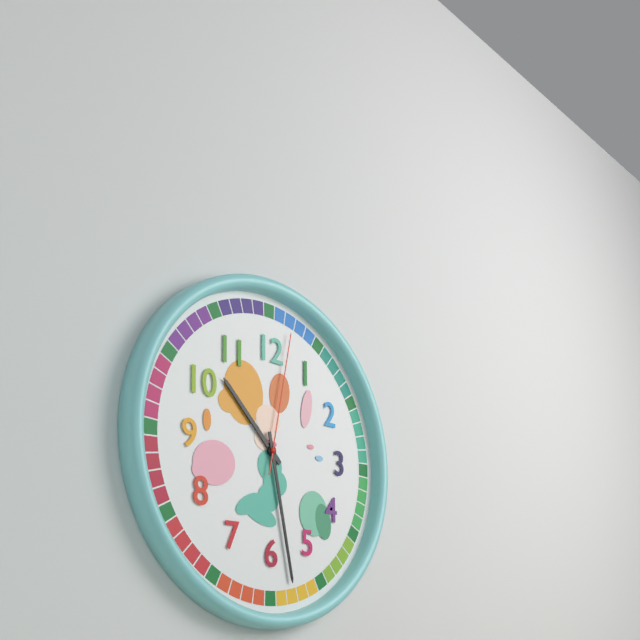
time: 10:28:02
